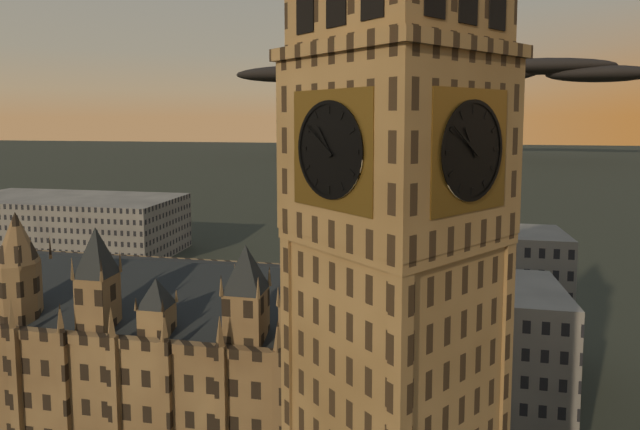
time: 10:51
